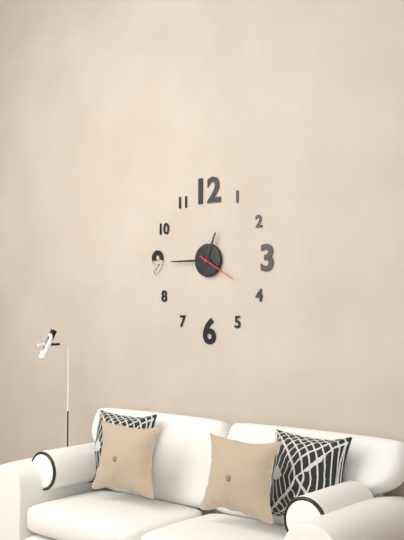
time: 12:45
